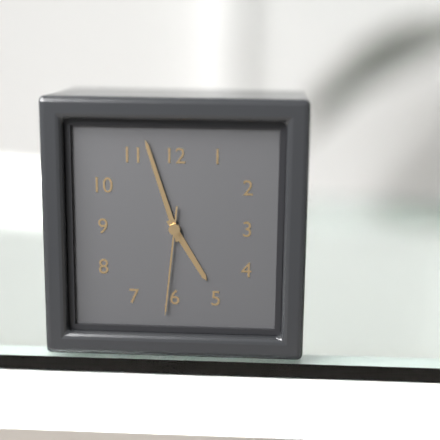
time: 4:57:31
